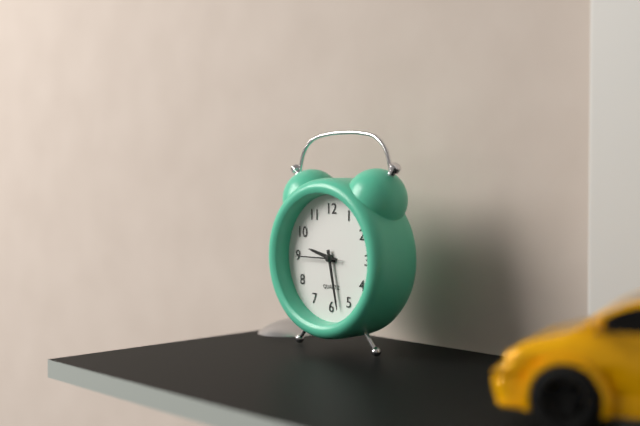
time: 9:28
